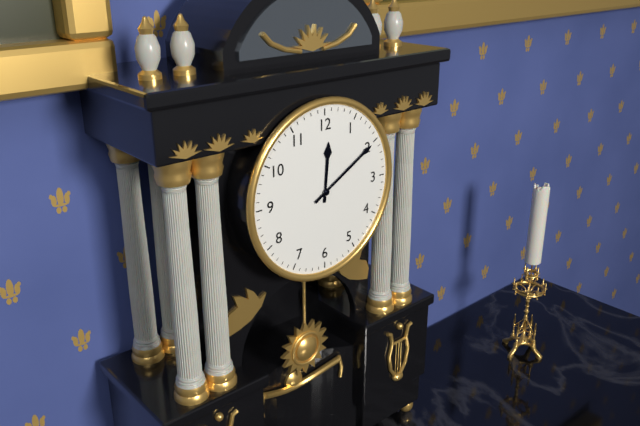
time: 12:10
